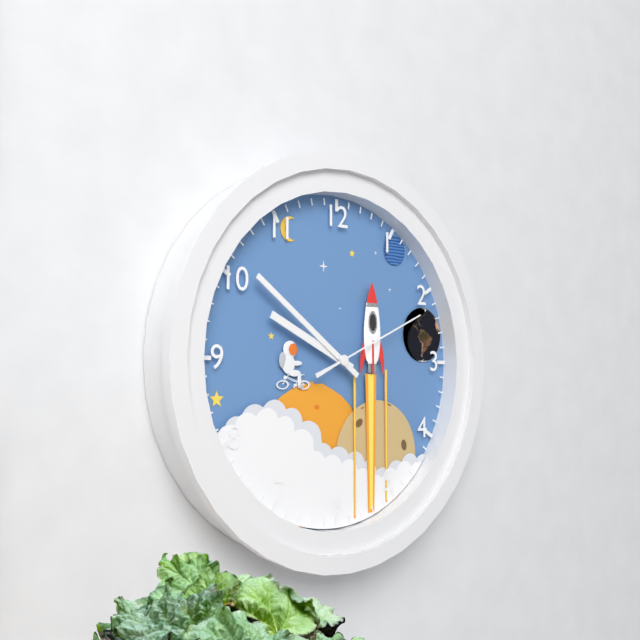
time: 9:51:11
